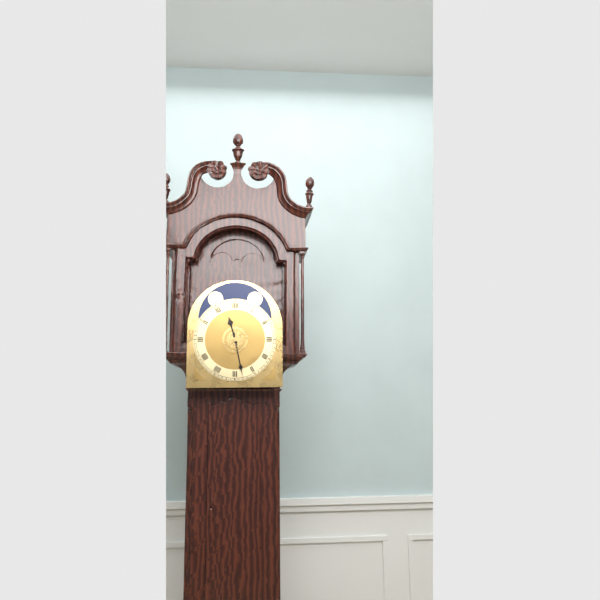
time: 11:28
